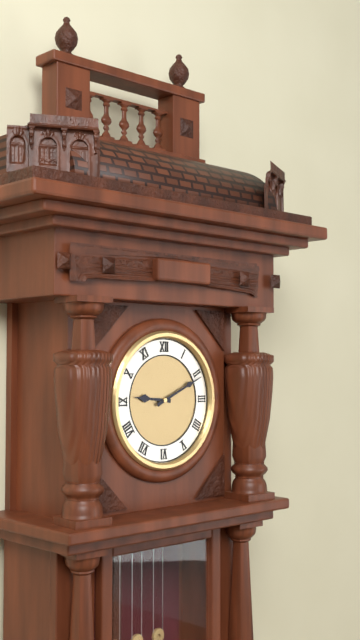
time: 9:11
